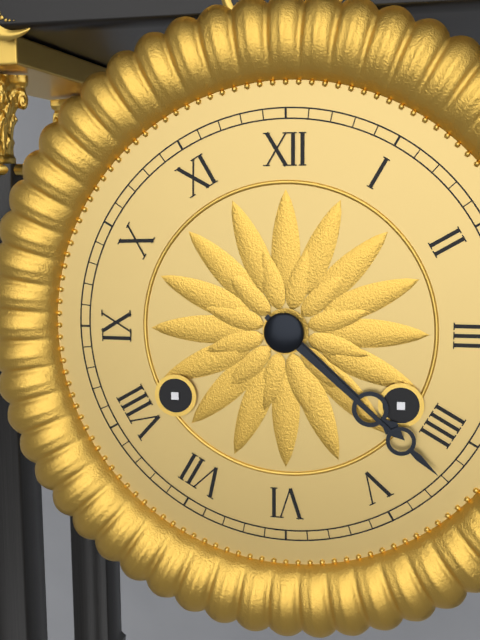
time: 4:22
